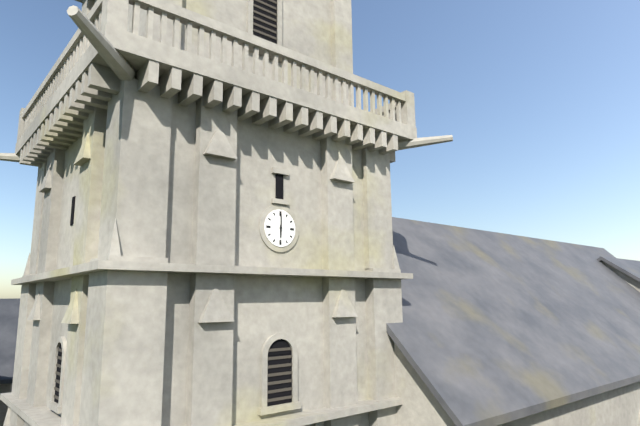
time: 6:00
